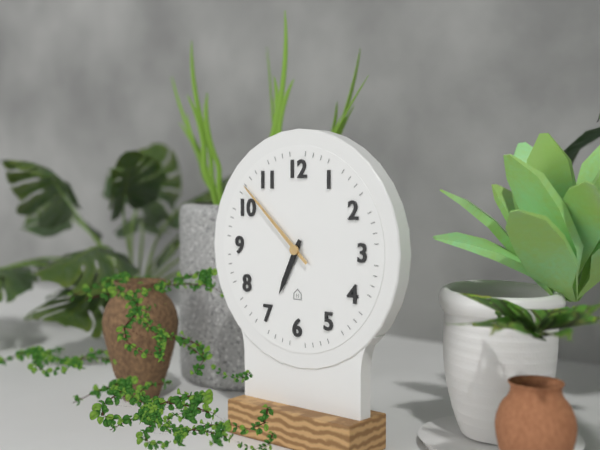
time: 6:52
